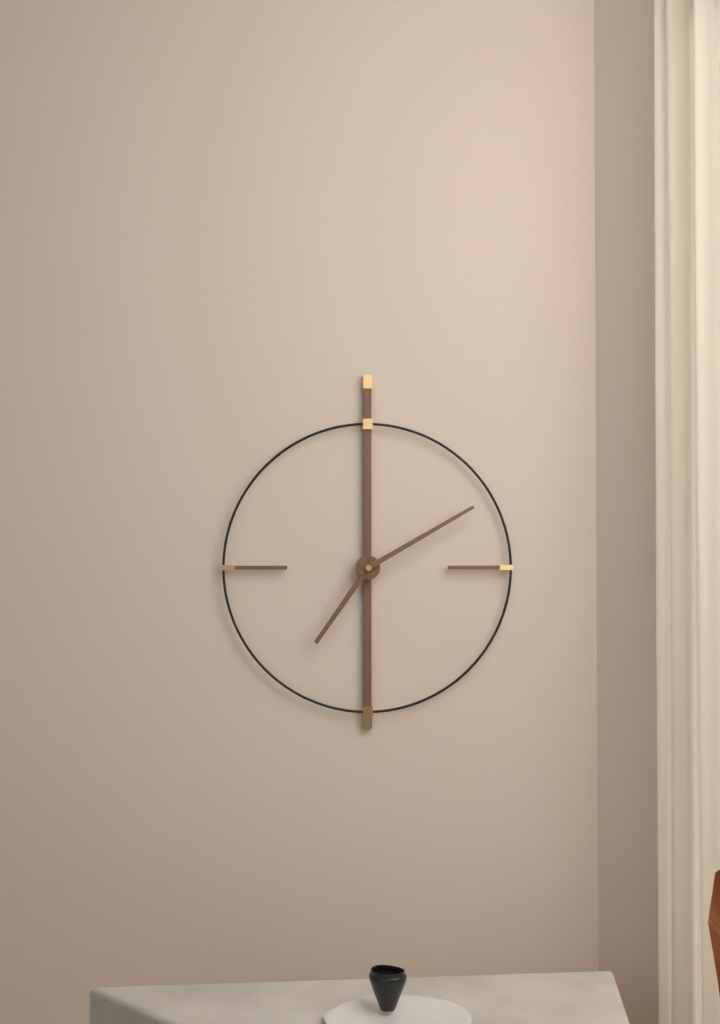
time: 7:10
